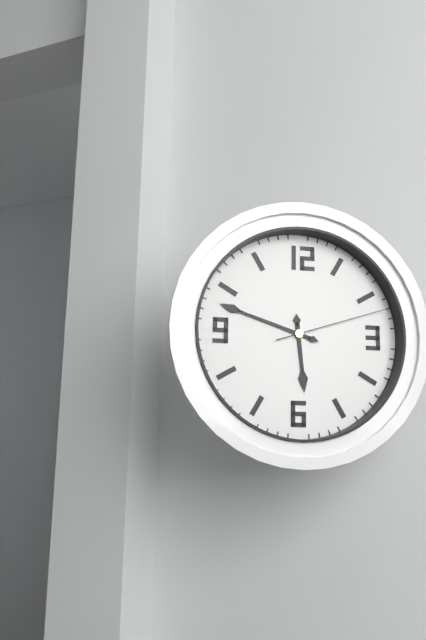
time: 5:48:12
